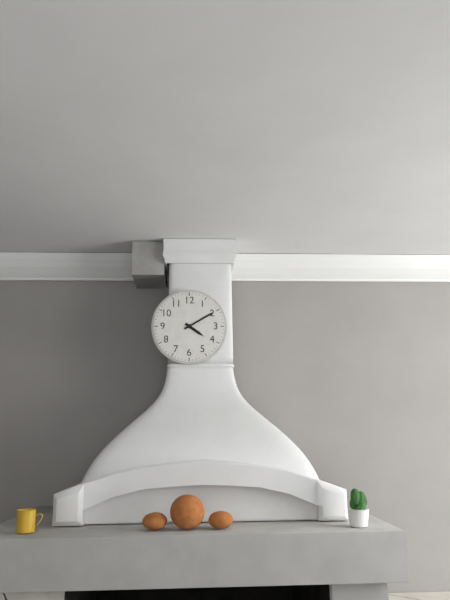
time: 4:10
